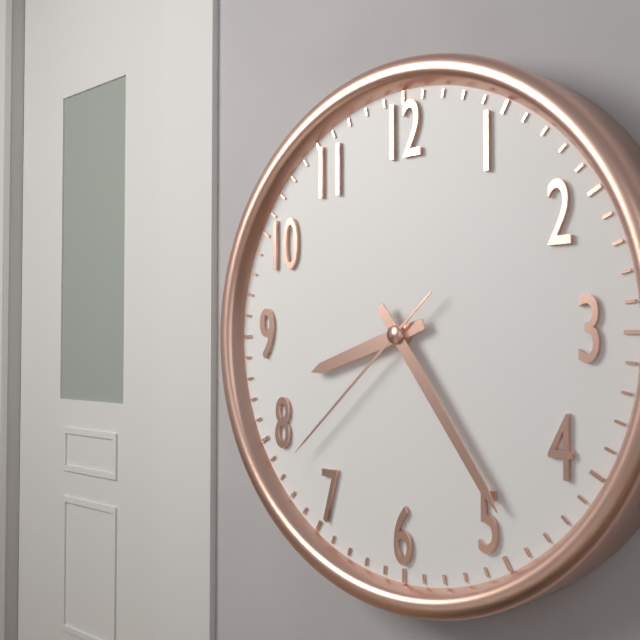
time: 8:24:38
